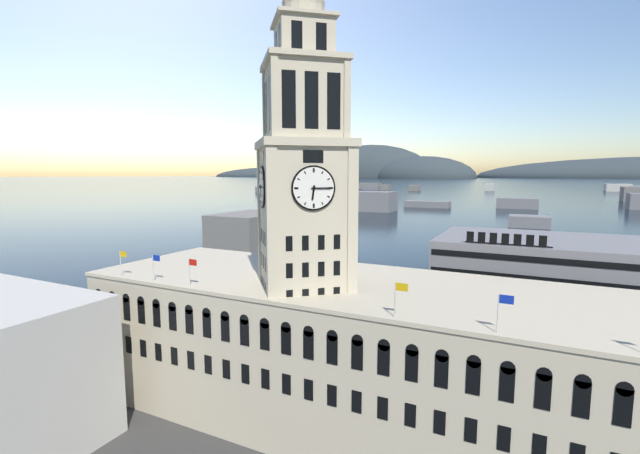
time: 6:15
